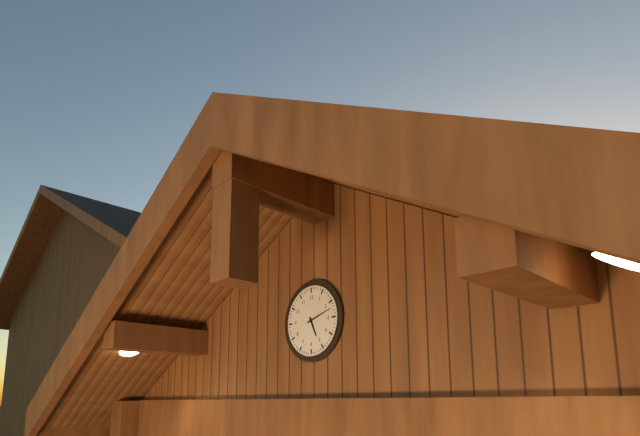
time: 5:12
